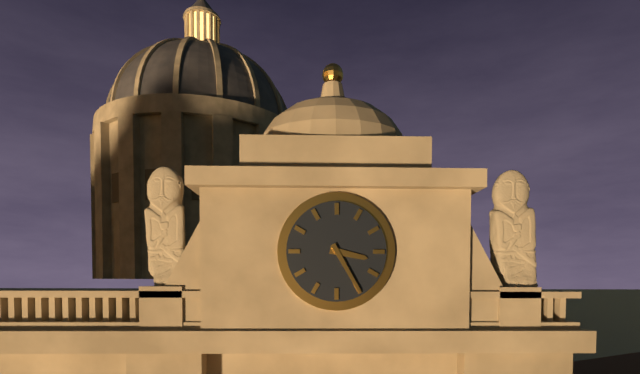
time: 3:25
